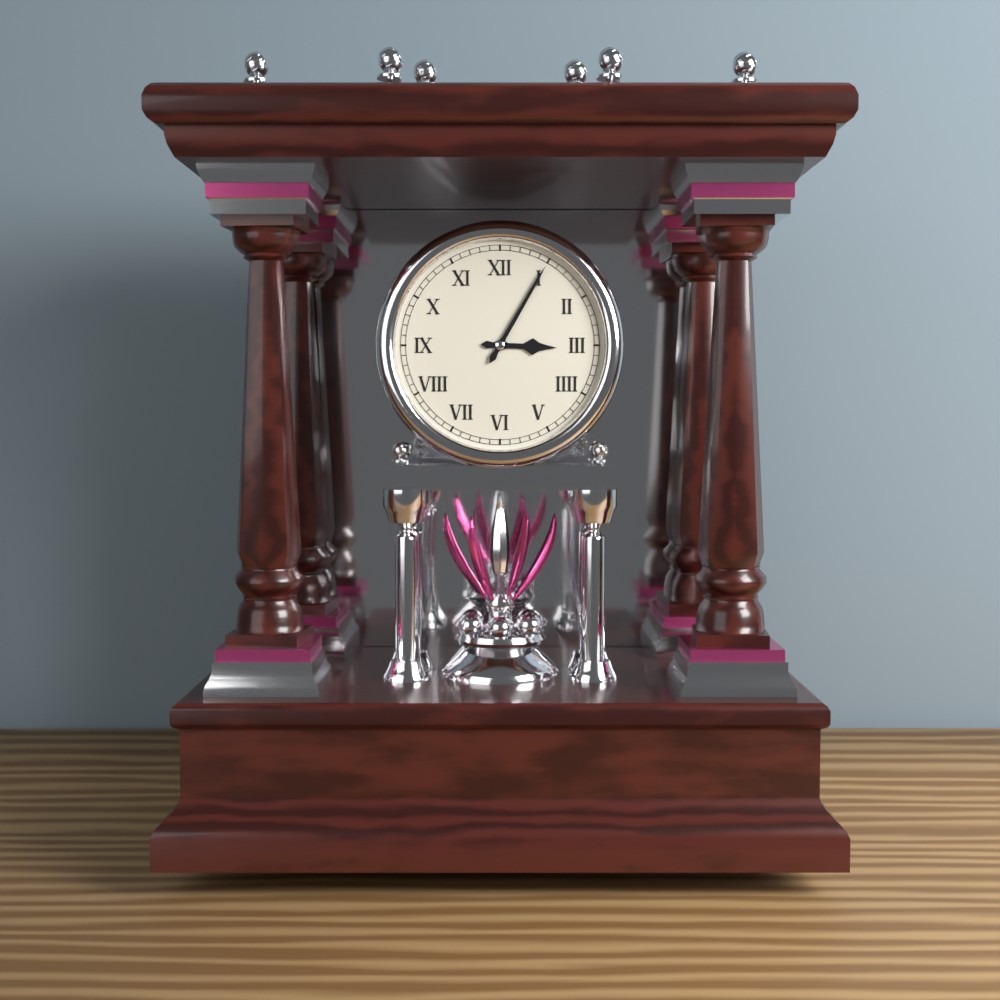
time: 3:05
